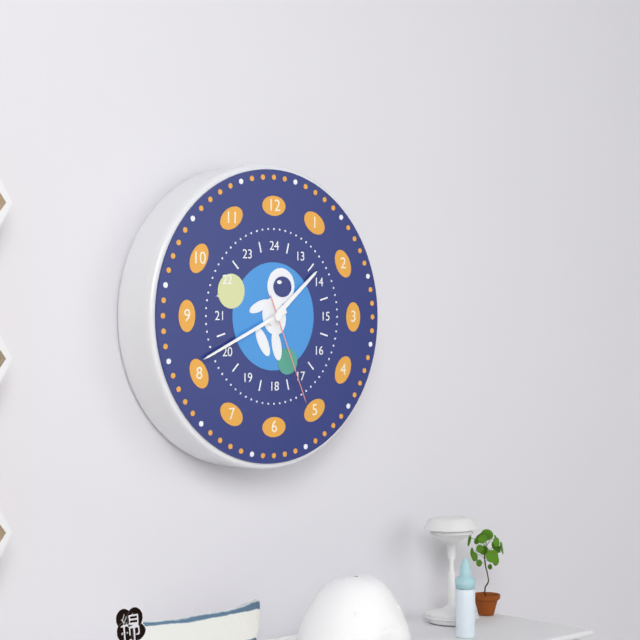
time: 1:41:26
